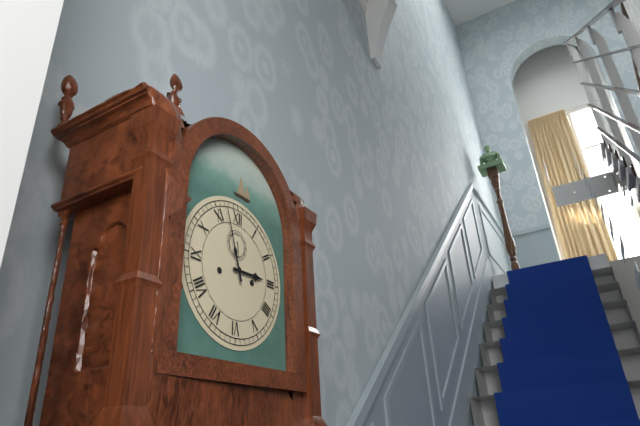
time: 2:57
